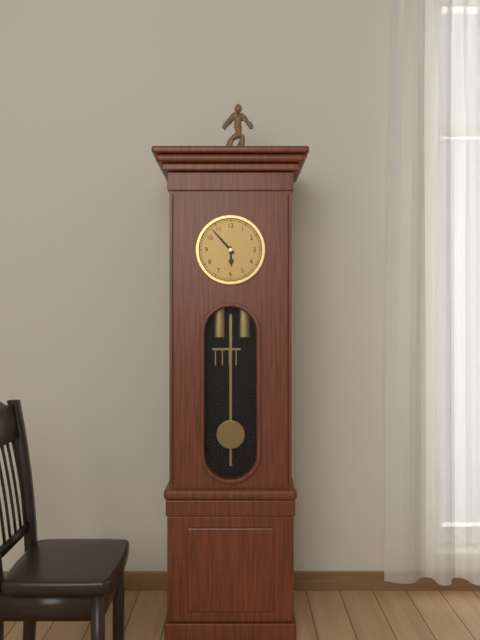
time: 5:53
